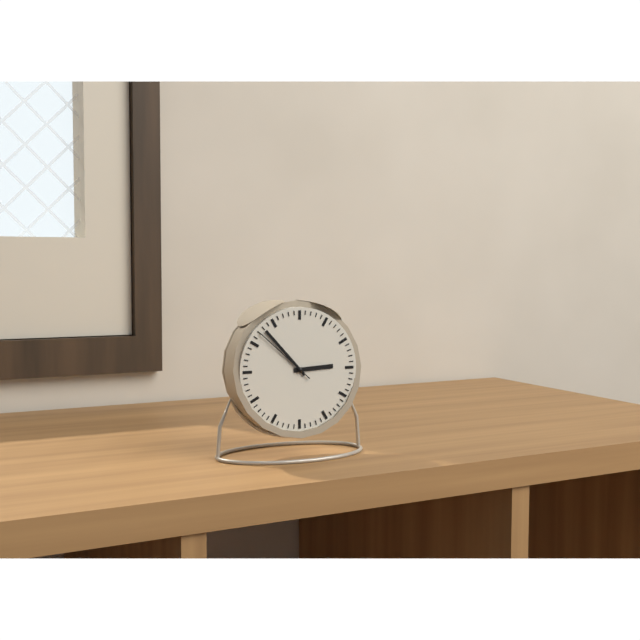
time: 2:53:52
